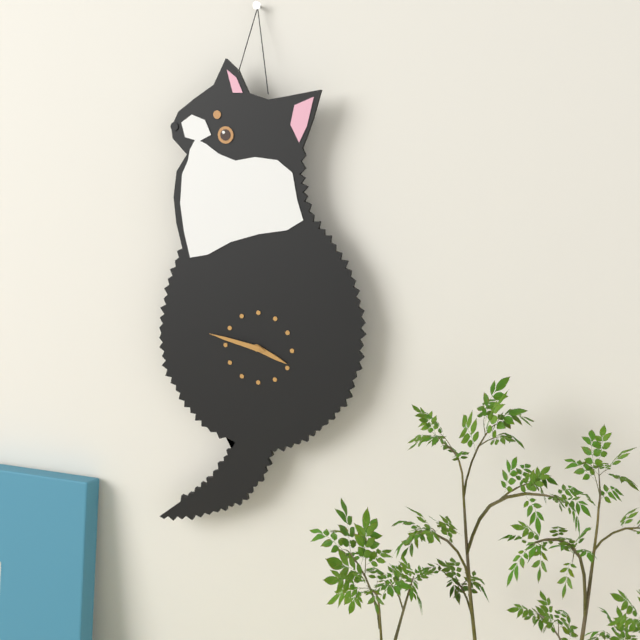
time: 3:47
